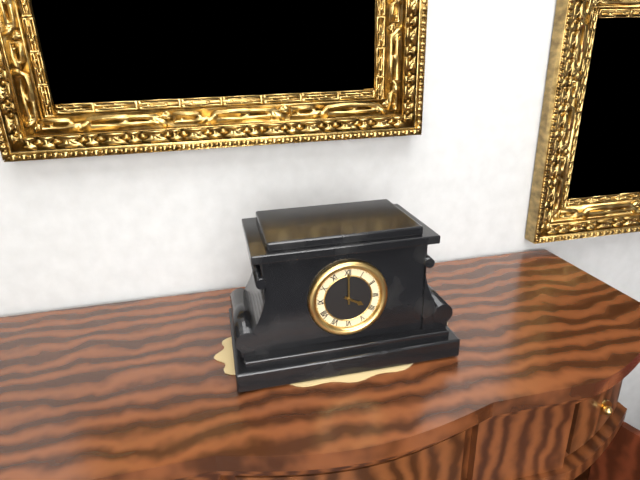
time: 4:00
